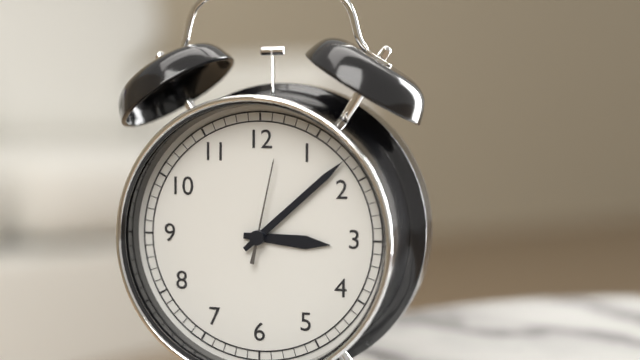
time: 3:08:02
